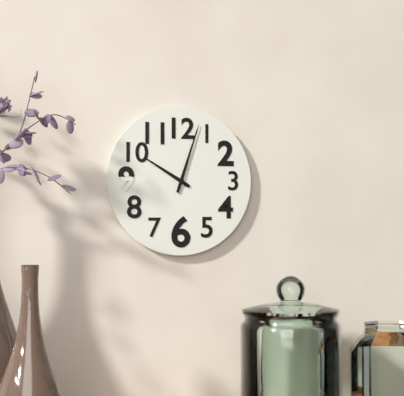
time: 10:03
